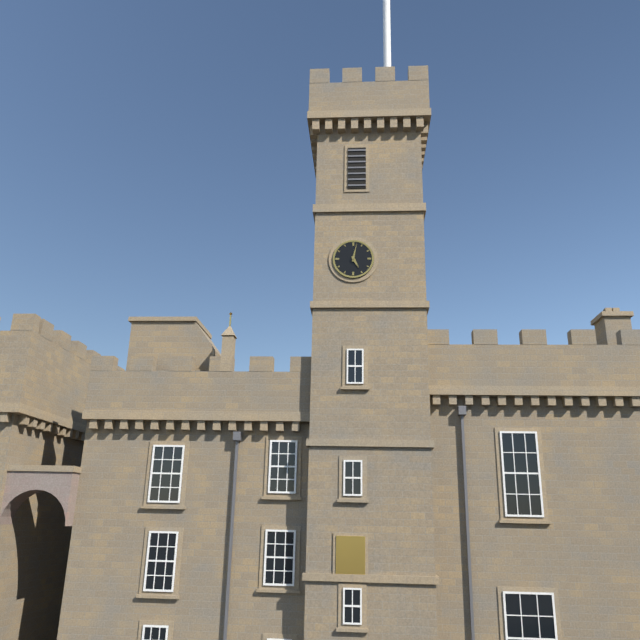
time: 5:02
